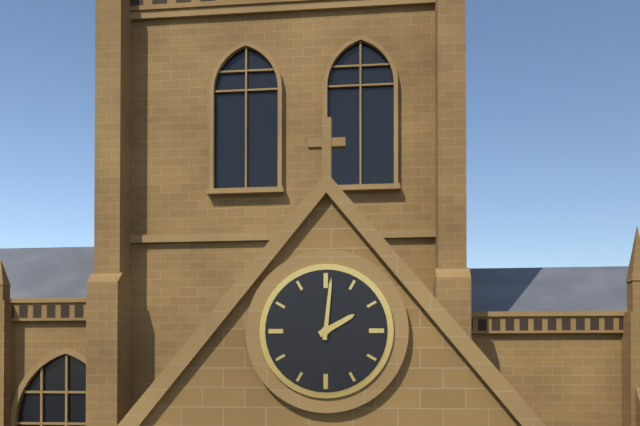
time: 2:01
